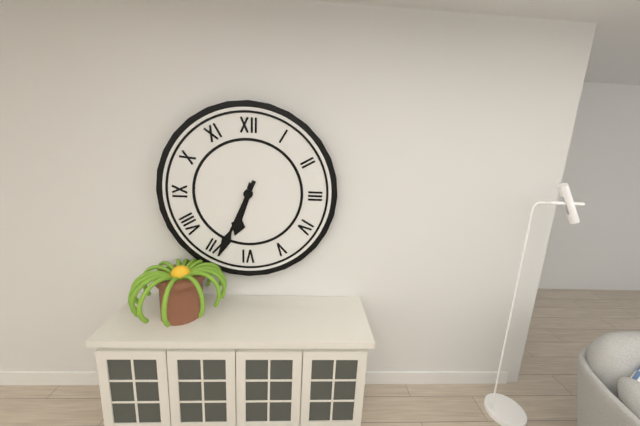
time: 6:34
